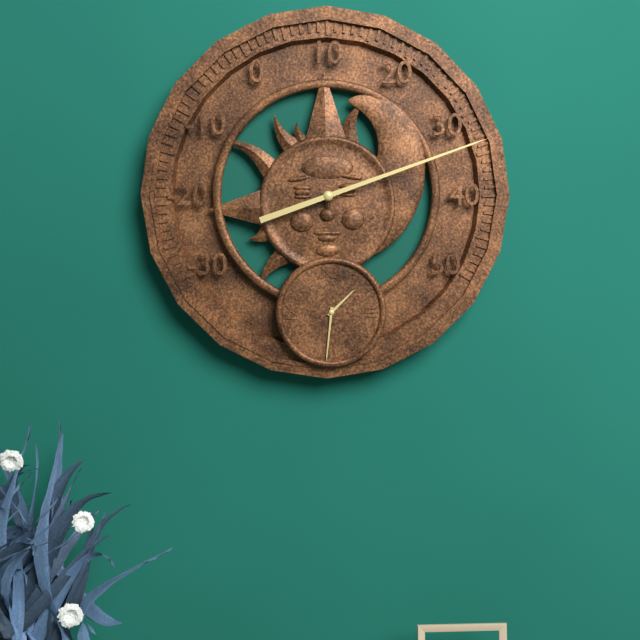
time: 1:31
